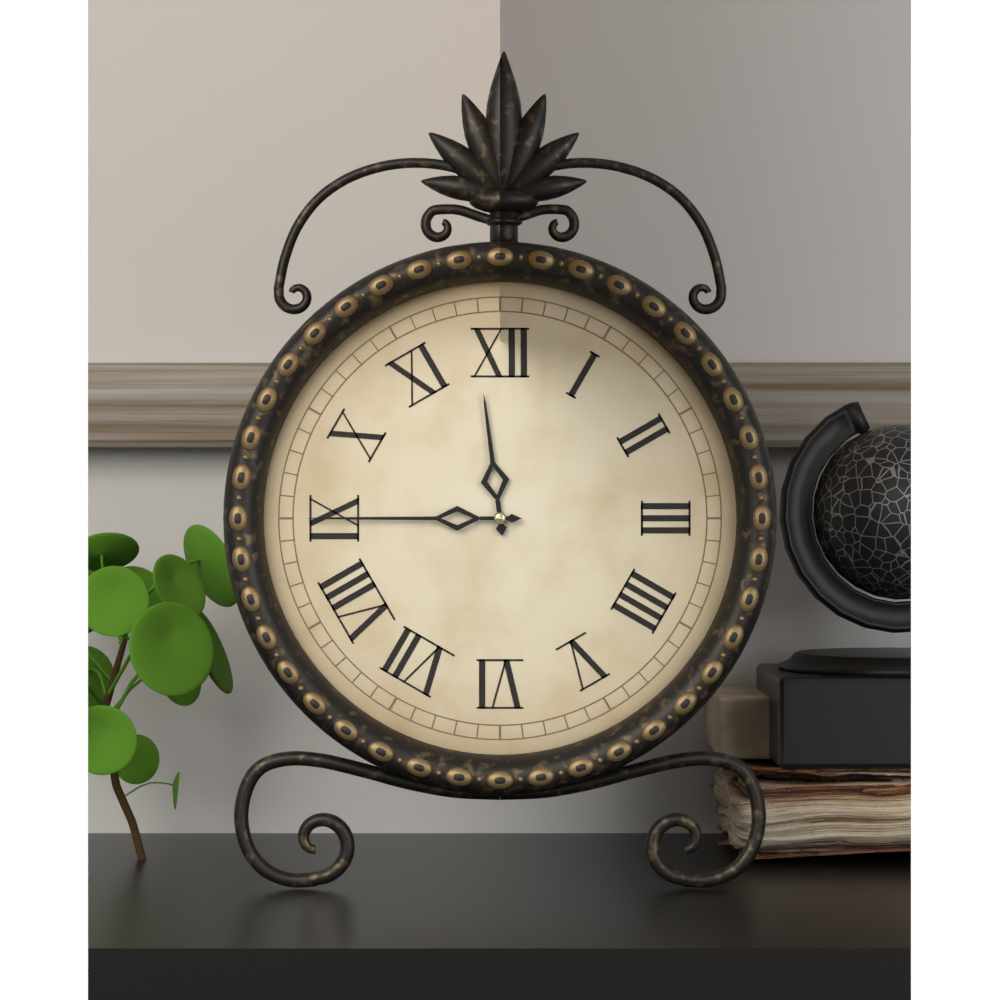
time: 11:45
